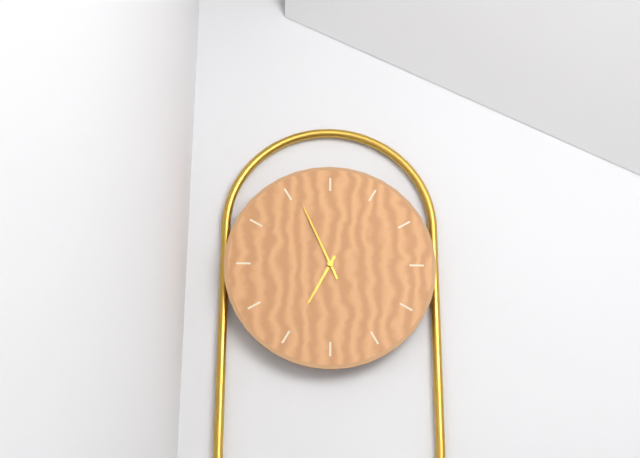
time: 6:56
